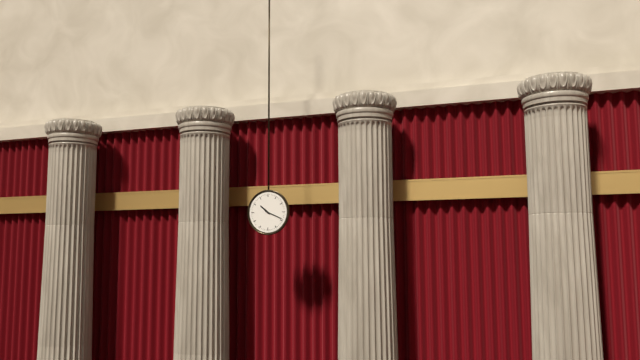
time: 10:19
